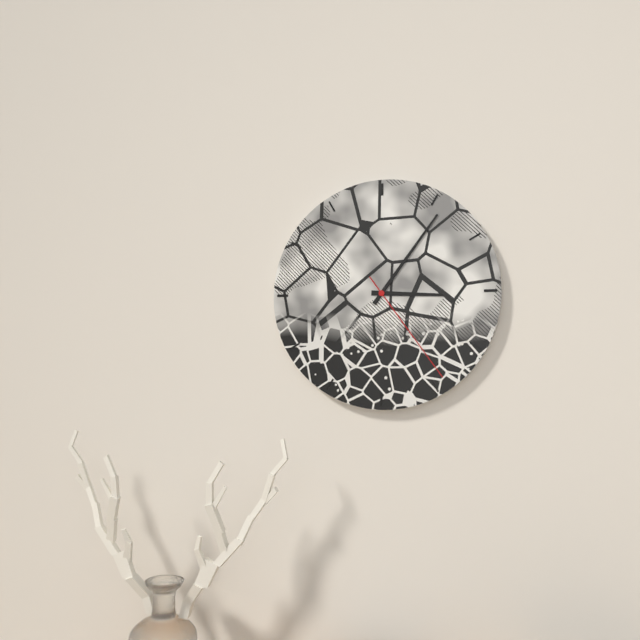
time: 3:06:24
